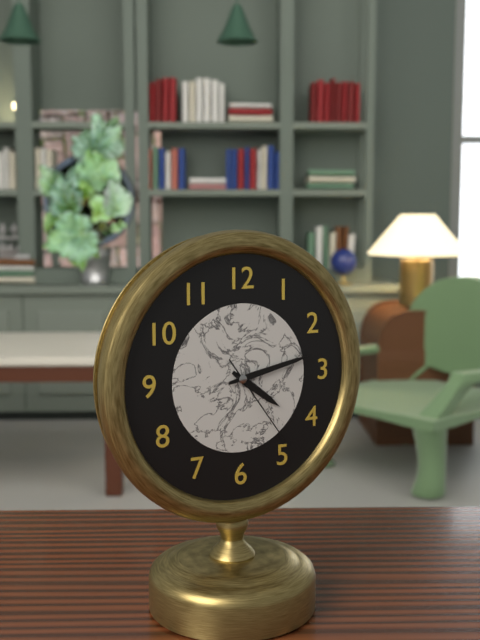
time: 4:13:24
